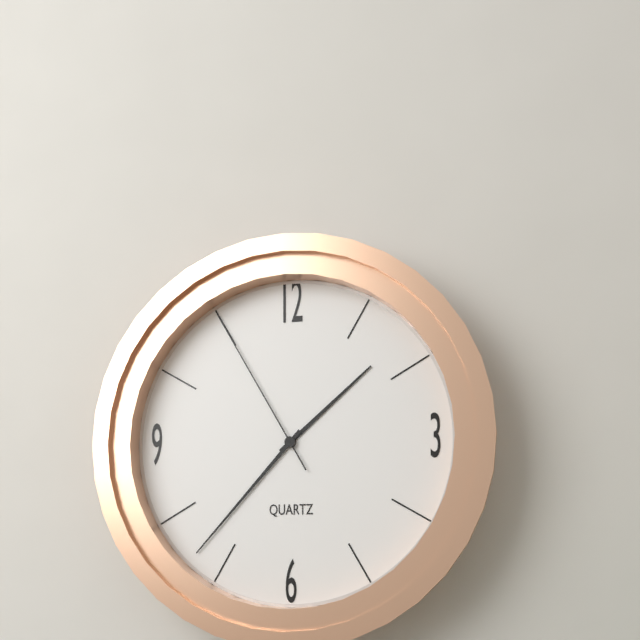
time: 1:37:55
